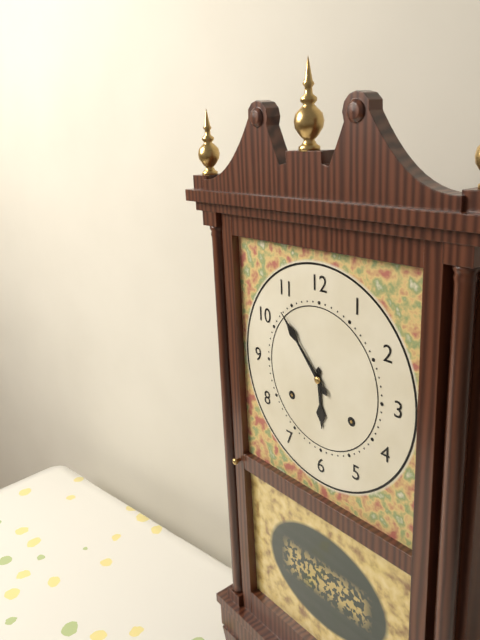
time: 5:53
